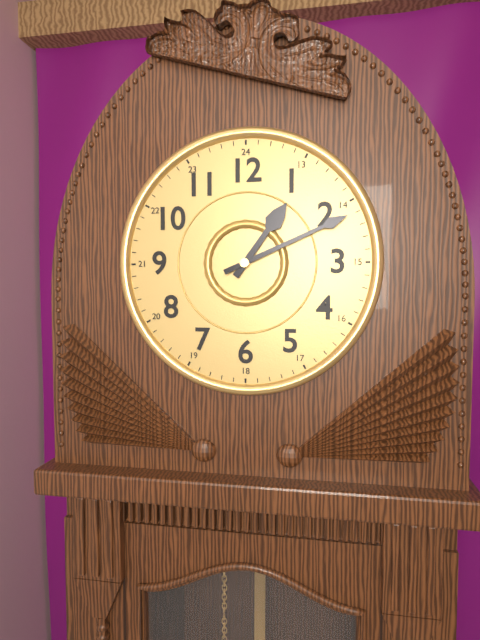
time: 1:11
